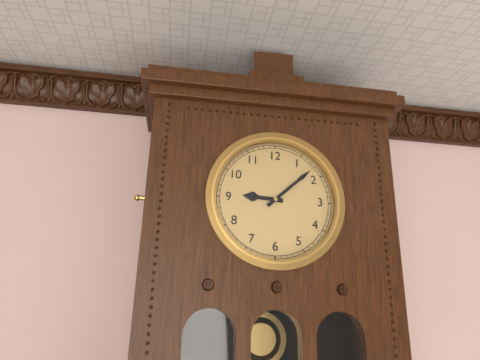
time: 9:08
